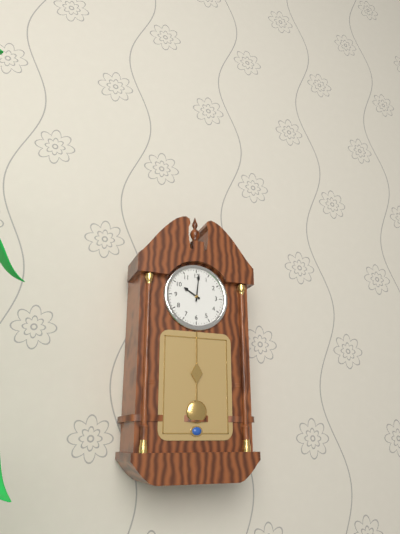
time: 10:01
